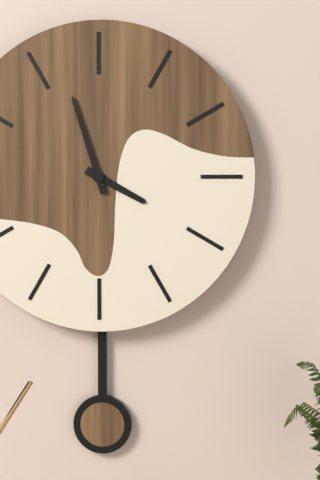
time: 3:57
